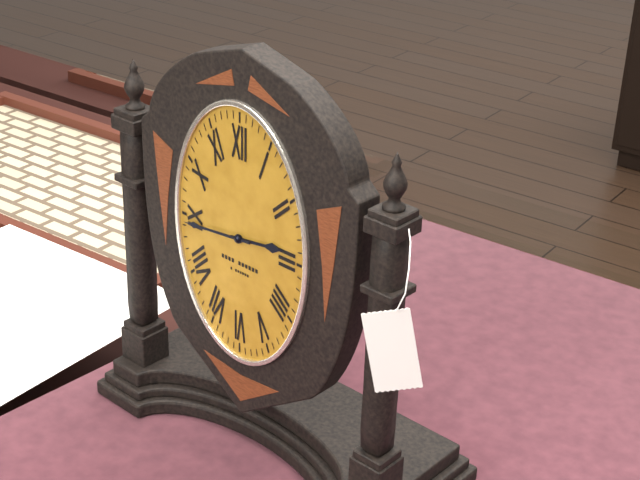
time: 2:44
